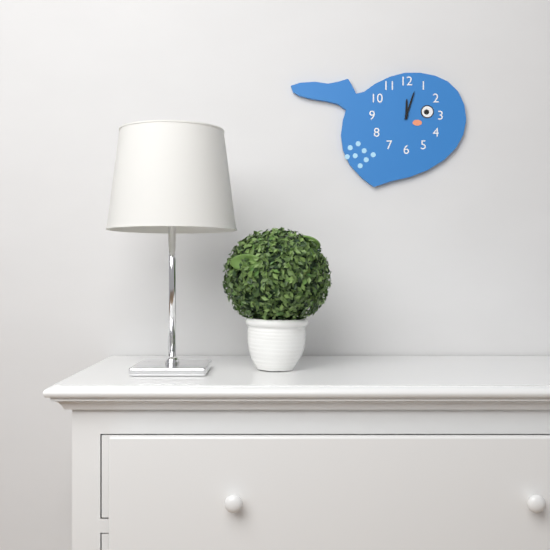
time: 12:03
